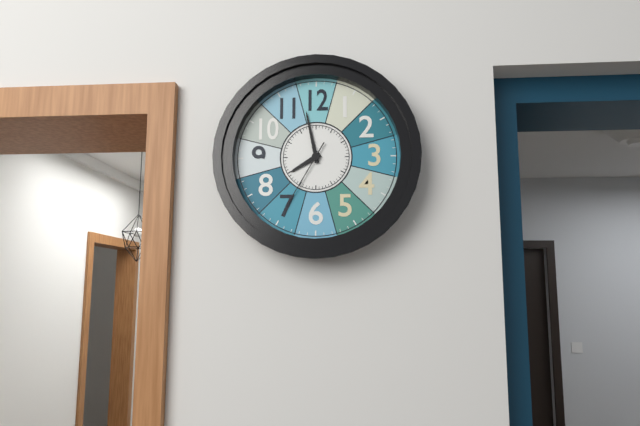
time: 7:58:35
